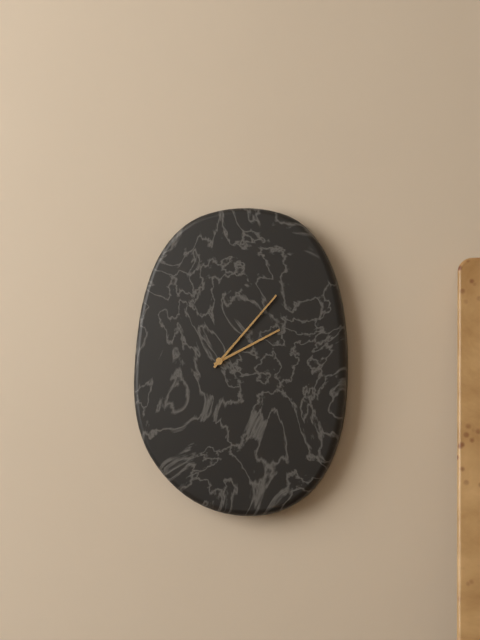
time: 2:07
